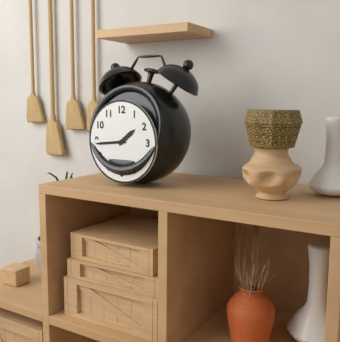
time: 1:44
